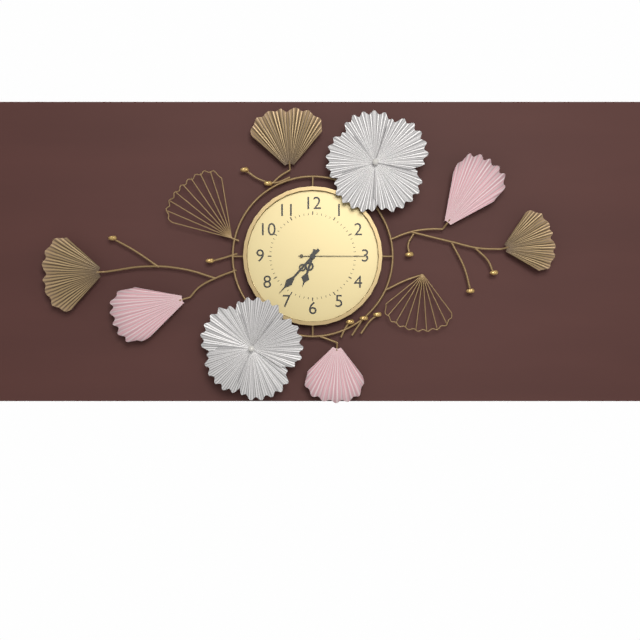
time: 6:37:15
